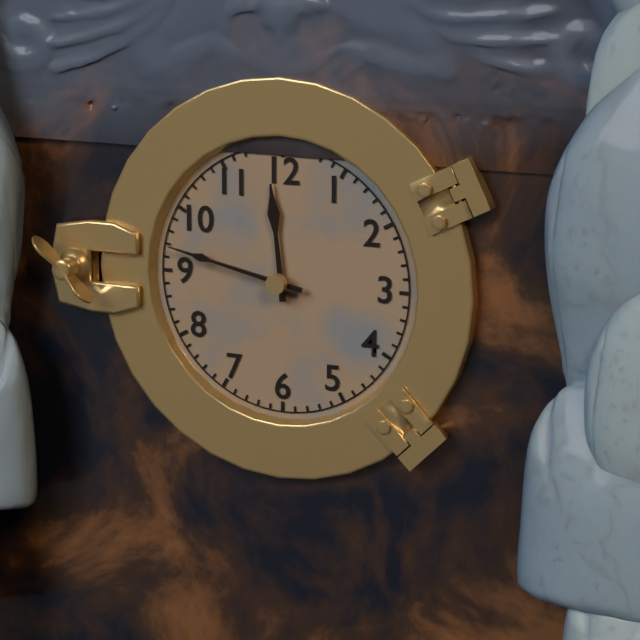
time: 11:47
